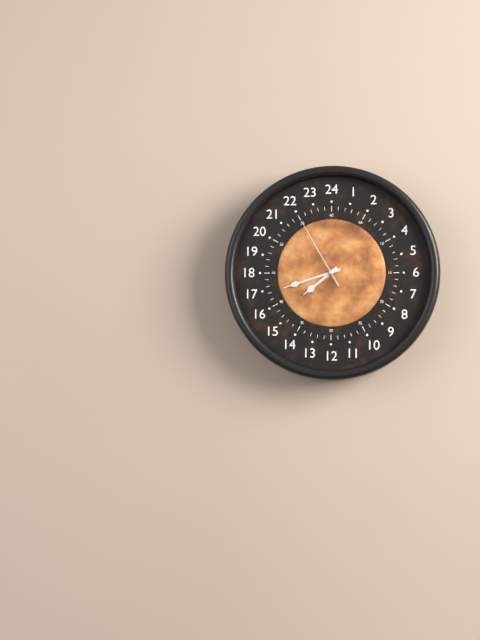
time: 7:42:55
